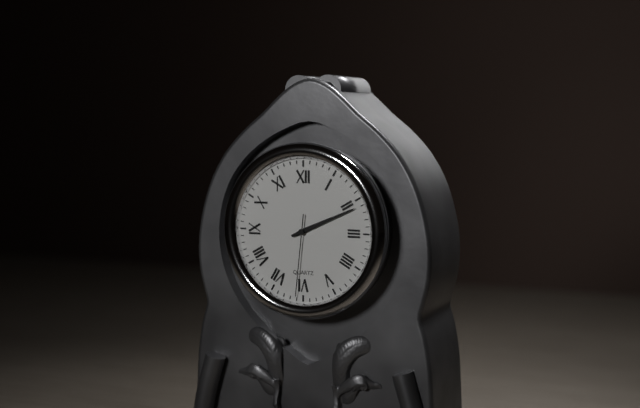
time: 2:11:31
